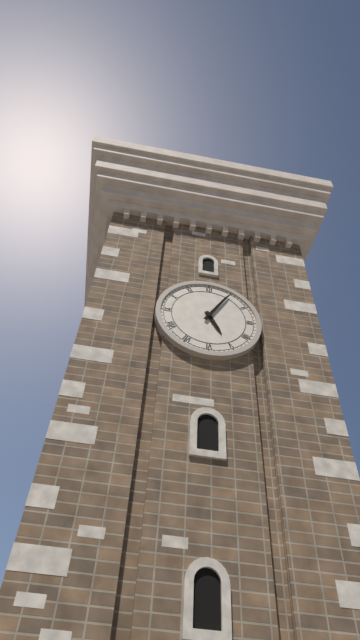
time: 5:05
